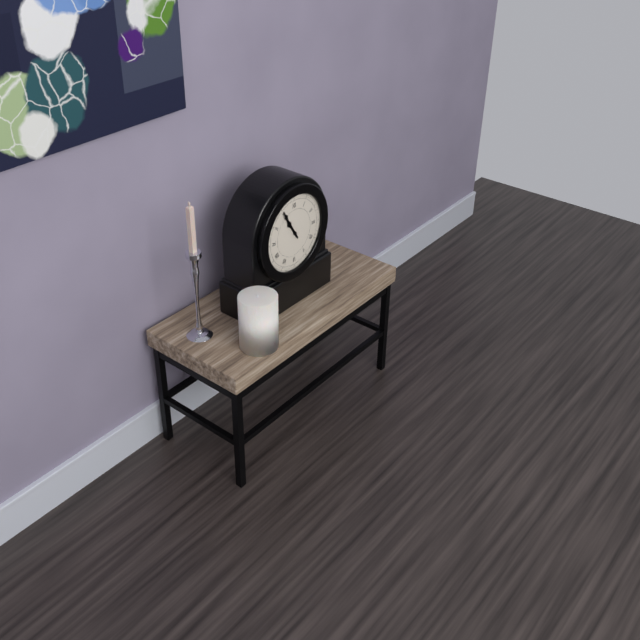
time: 10:55
